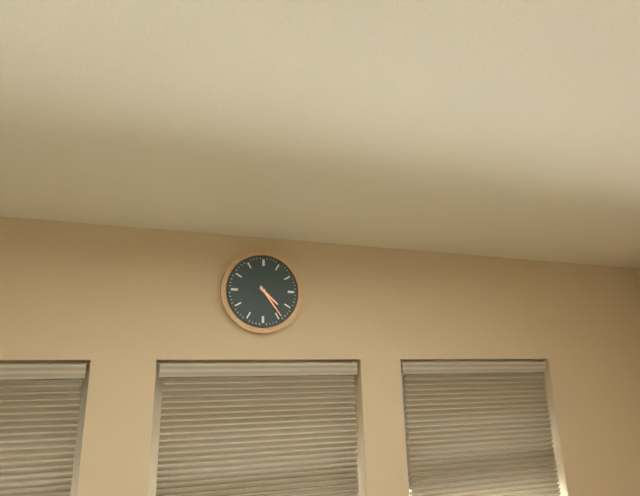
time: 4:24
